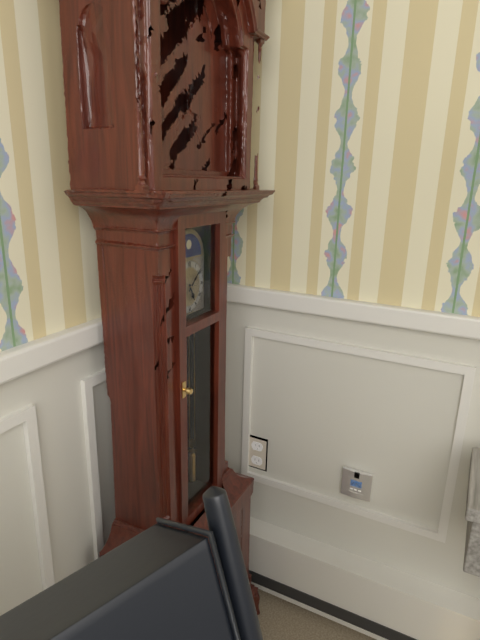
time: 5:08
